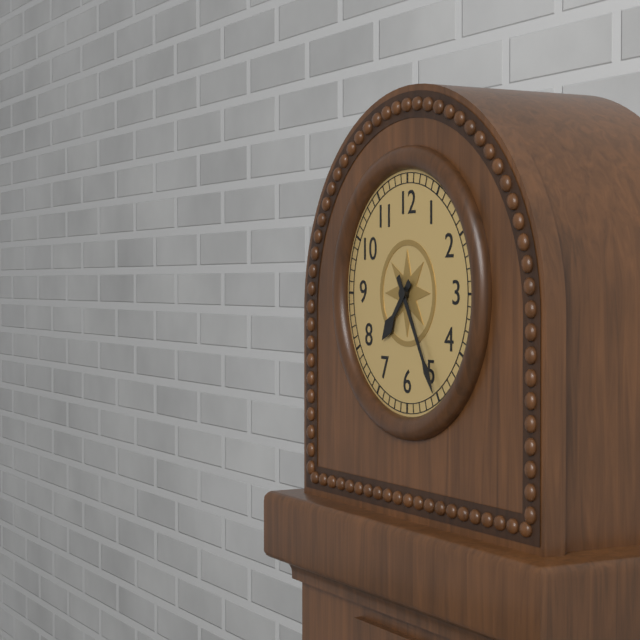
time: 7:25
